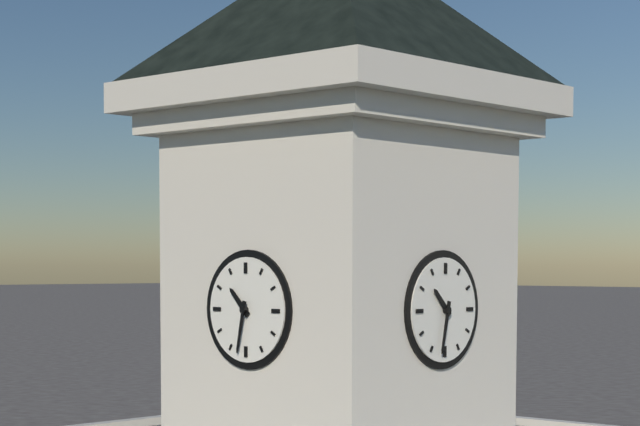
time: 10:32
